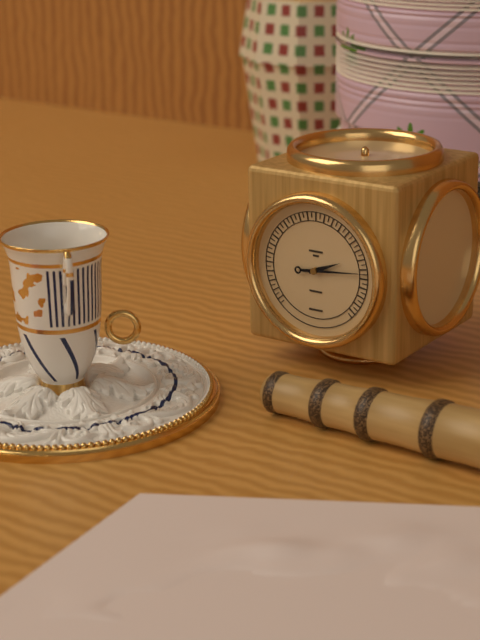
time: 2:14
